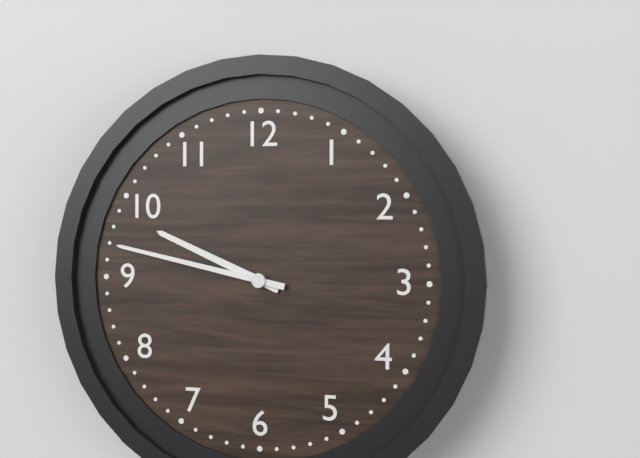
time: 9:47
